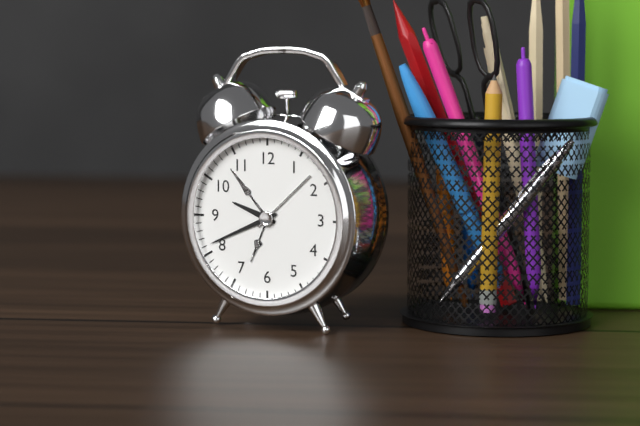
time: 9:41
